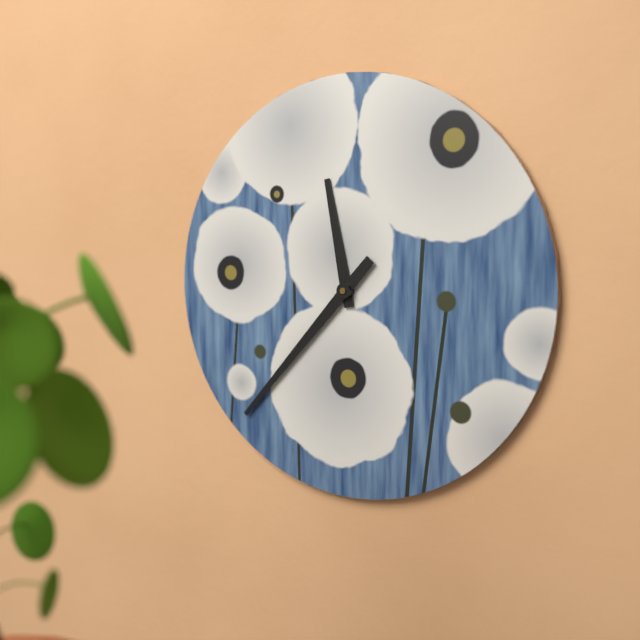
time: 11:37
